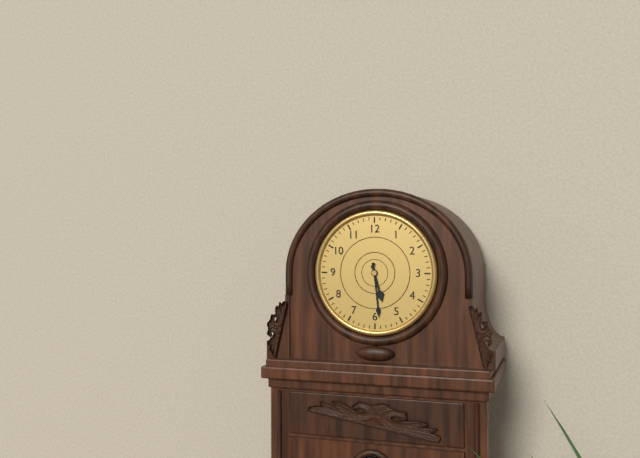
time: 5:29
